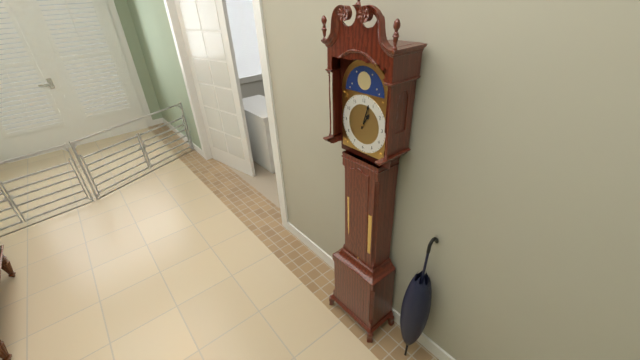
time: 1:03
